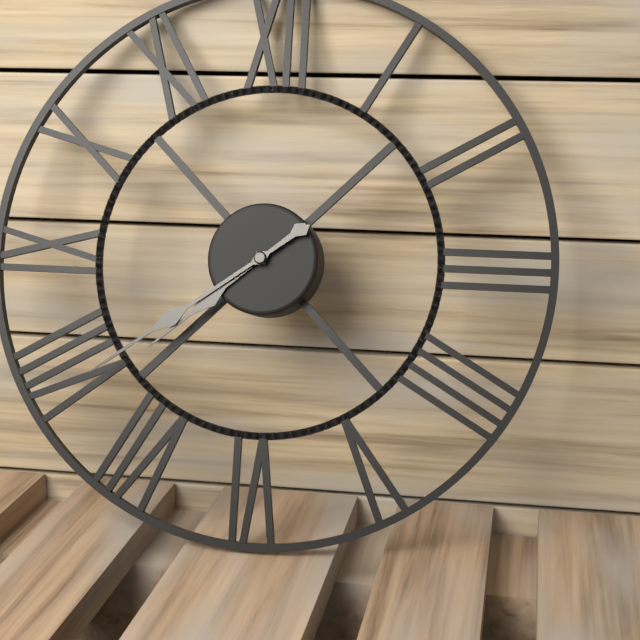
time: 7:39
